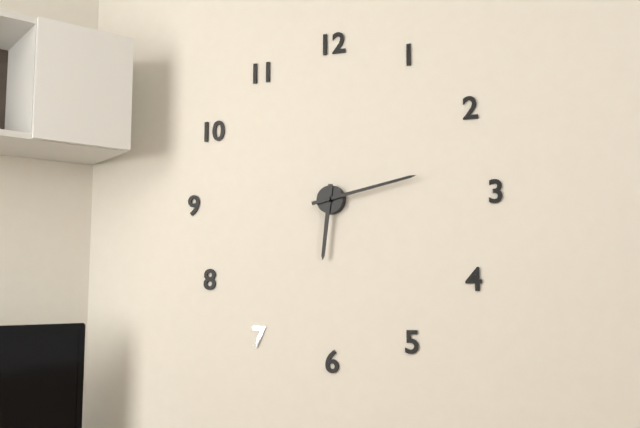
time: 6:13
